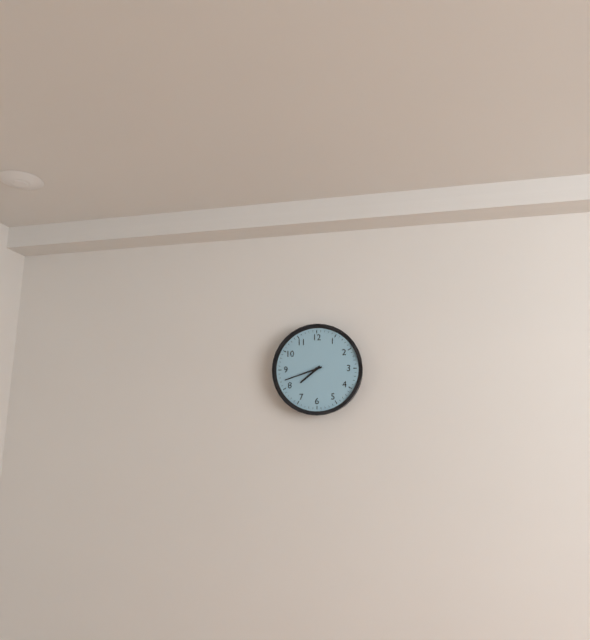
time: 7:42
